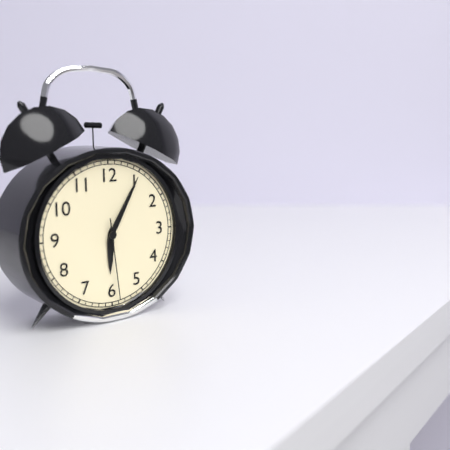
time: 6:05:29
